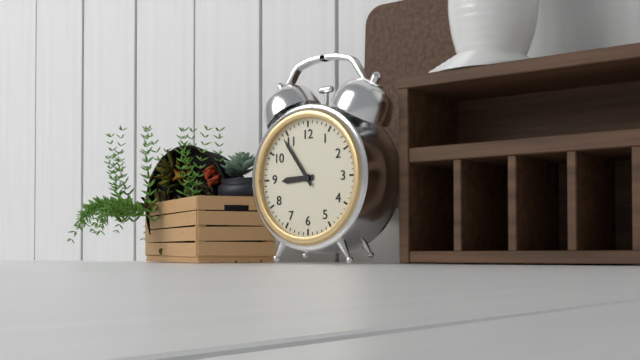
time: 8:54
